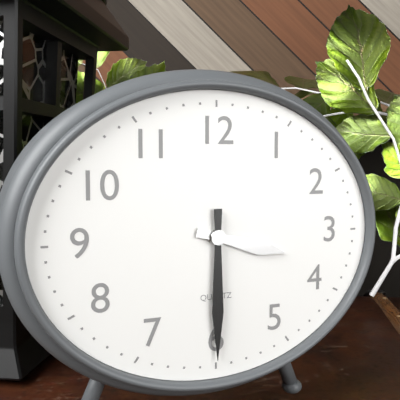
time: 3:30
